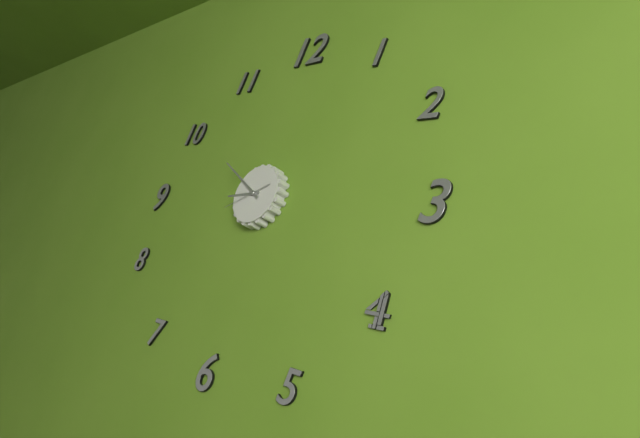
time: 8:50:41
